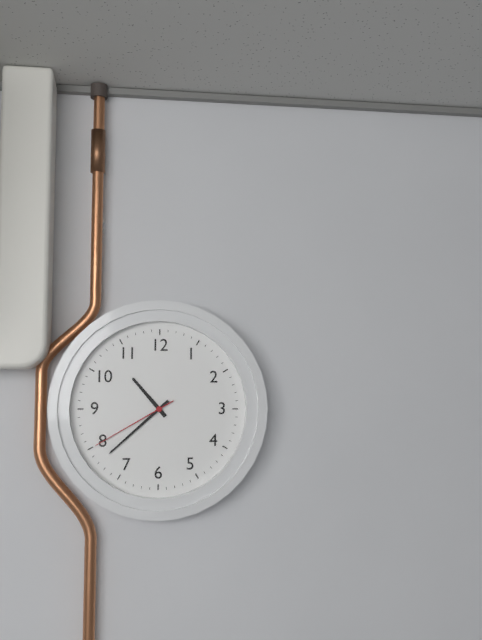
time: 10:38:40
